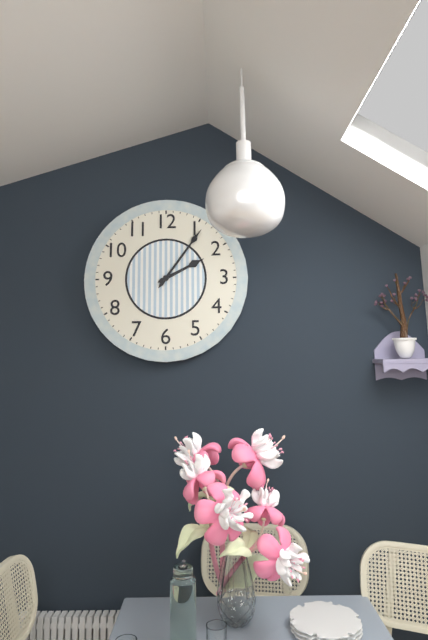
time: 2:06
